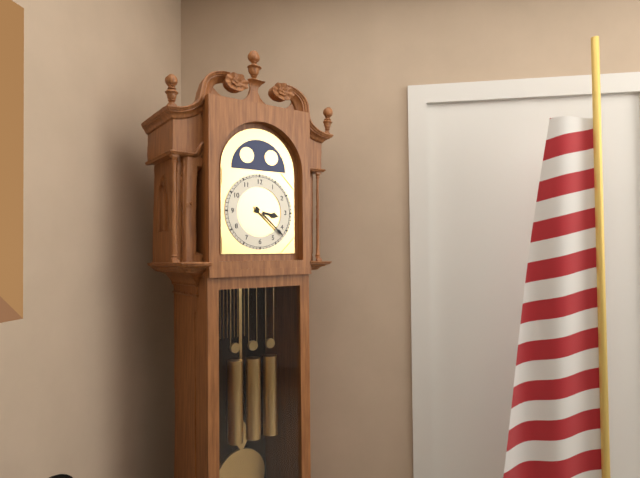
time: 3:22
